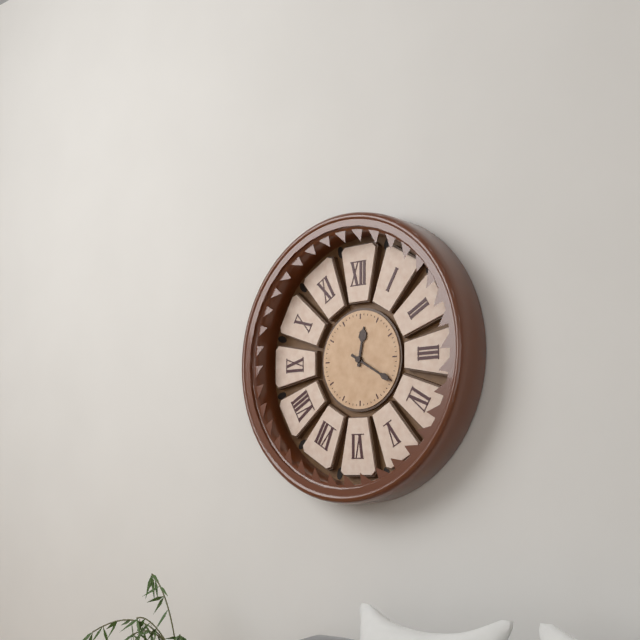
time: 12:20
